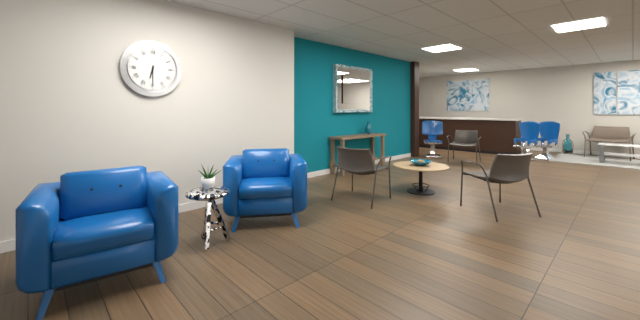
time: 6:30
